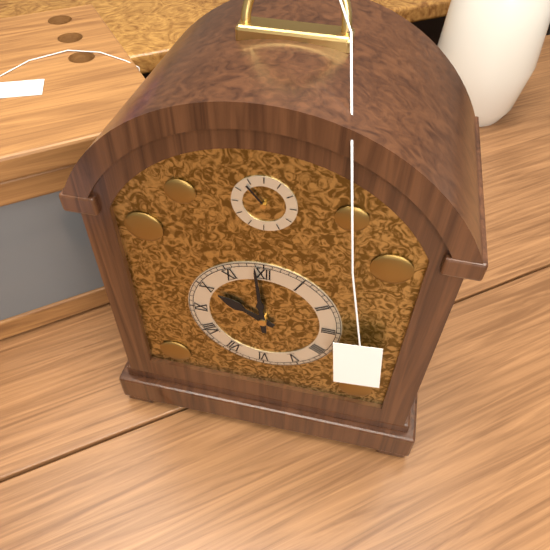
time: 9:59
